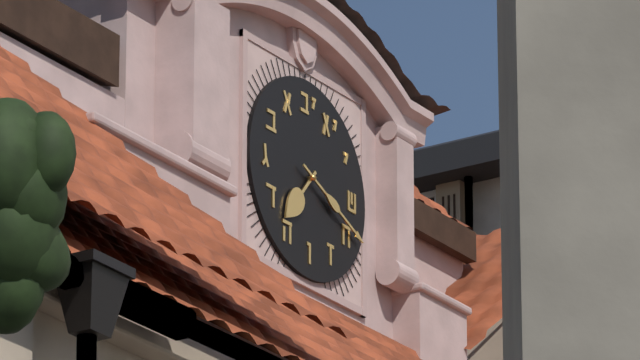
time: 7:19
